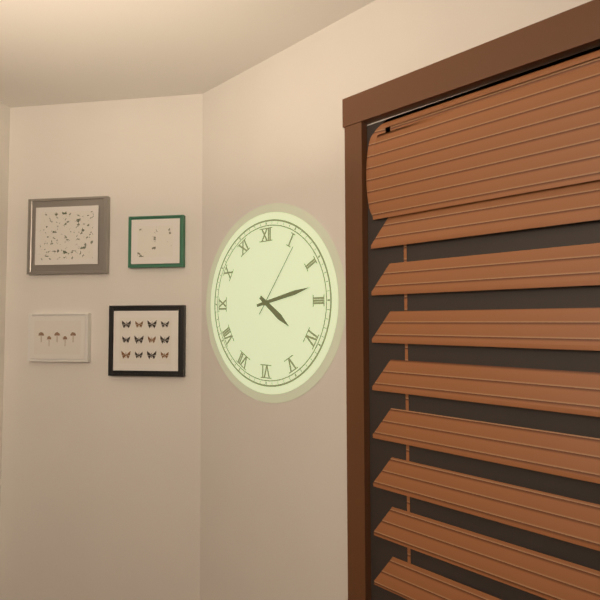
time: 4:13:06
